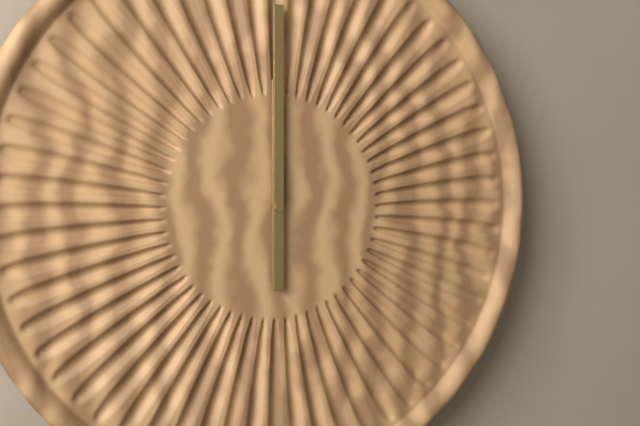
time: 12:00
